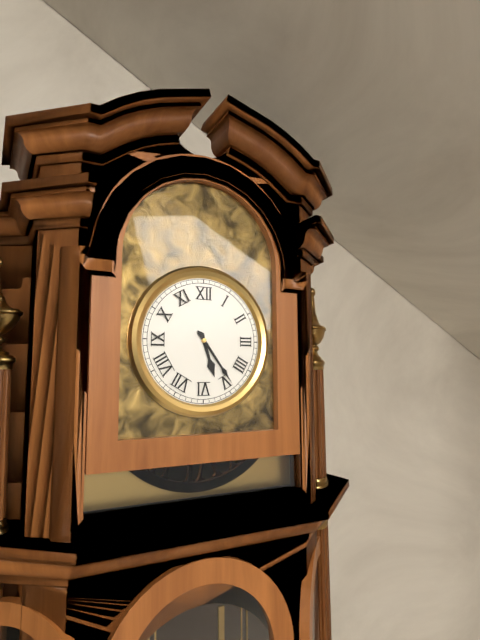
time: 5:24
